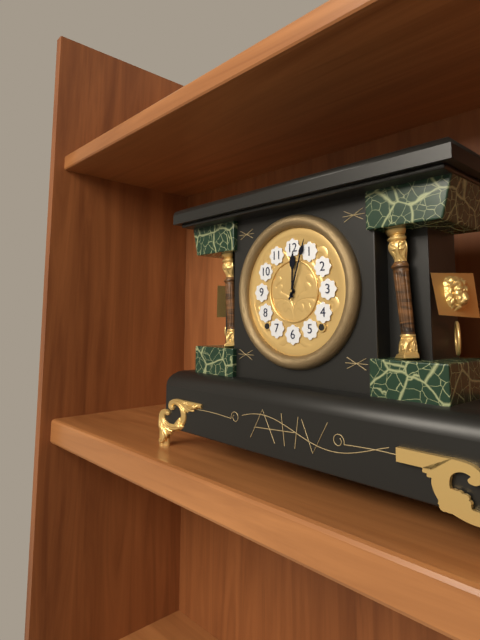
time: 12:03
